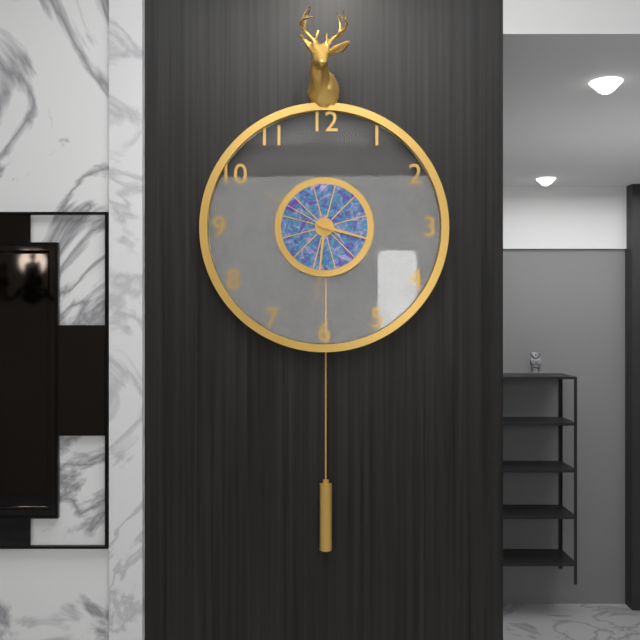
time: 3:31:50
